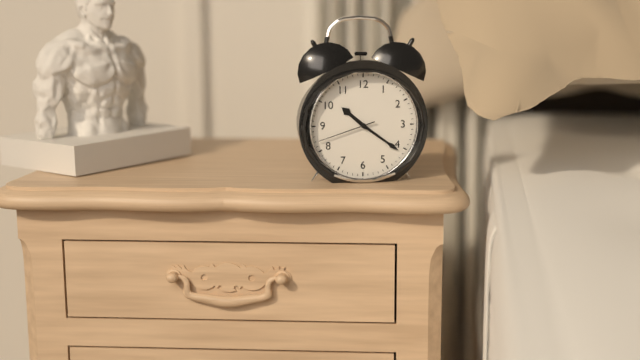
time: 10:21:42
